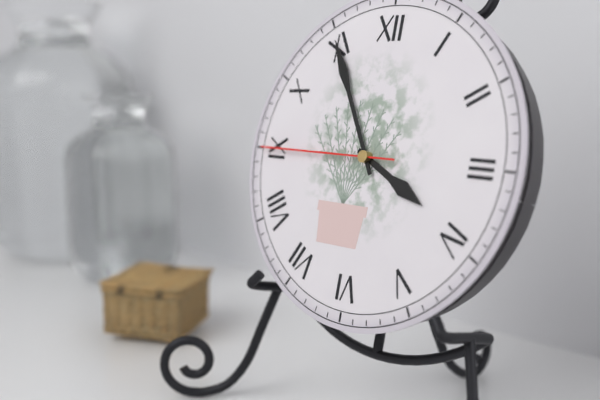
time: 3:55:45
